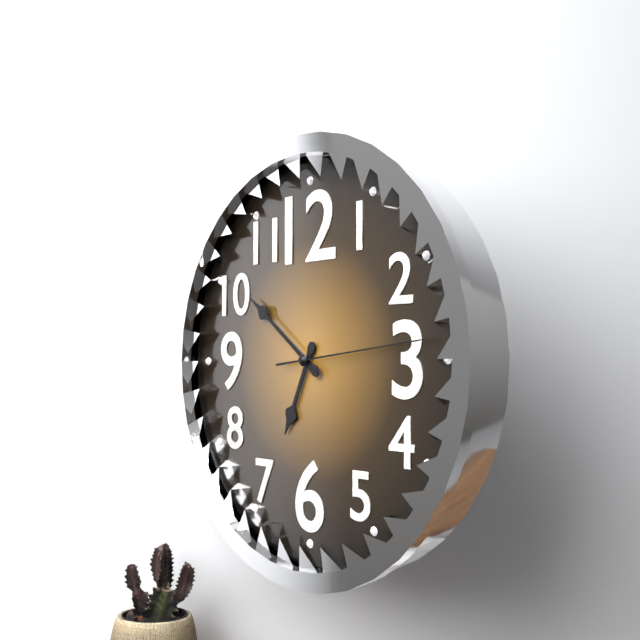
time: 6:51:14
